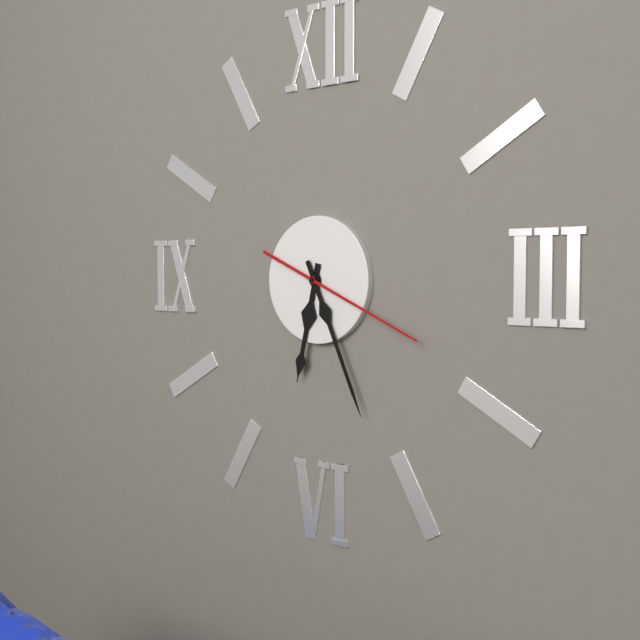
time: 6:26:19
